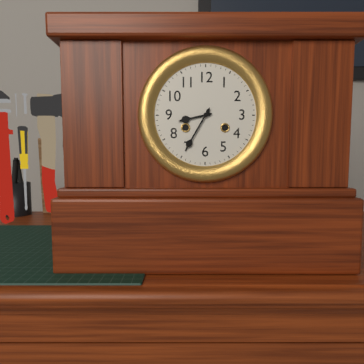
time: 8:35
